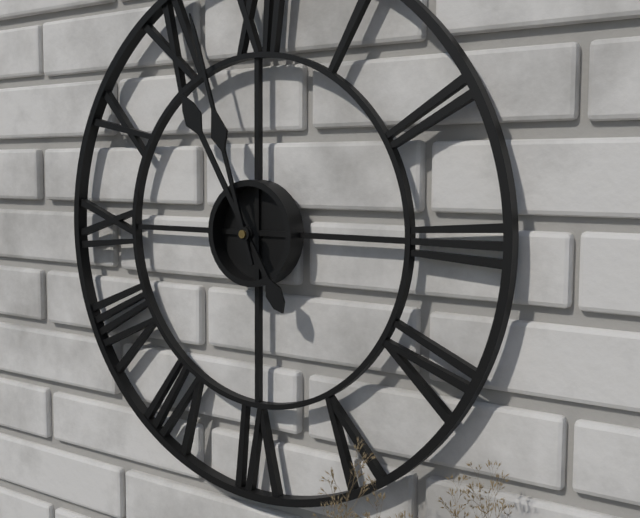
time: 10:57
